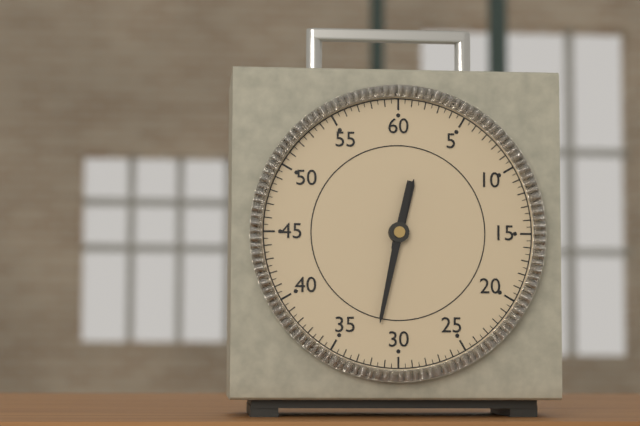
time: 12:32
